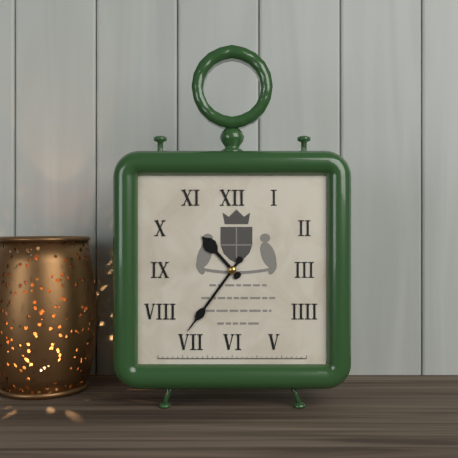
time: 10:36
